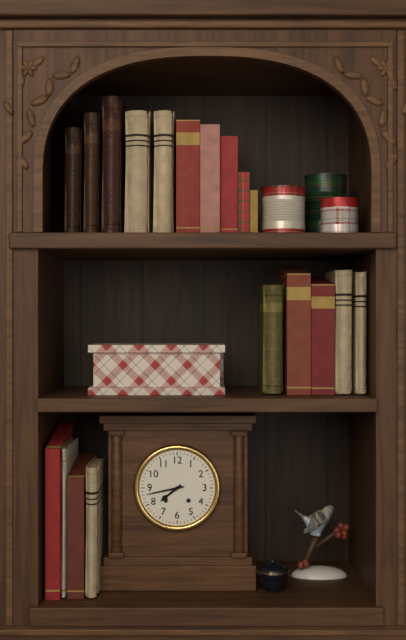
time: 7:43
